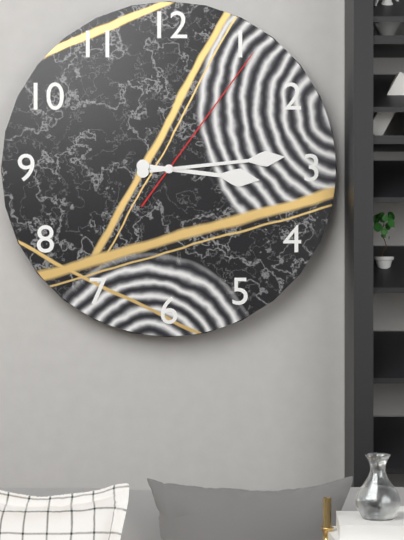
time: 3:14:06
